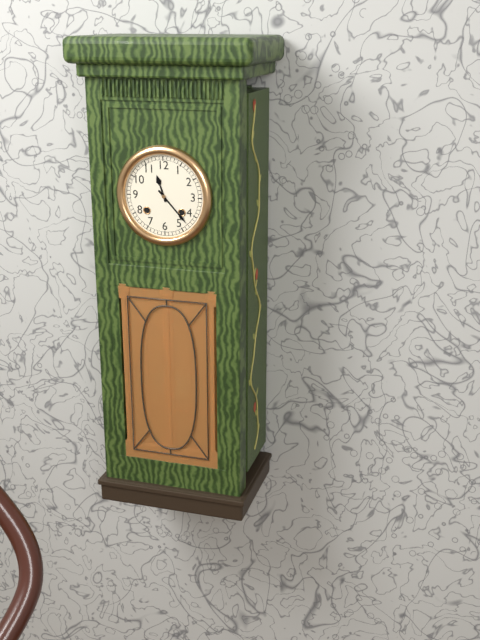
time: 11:23
